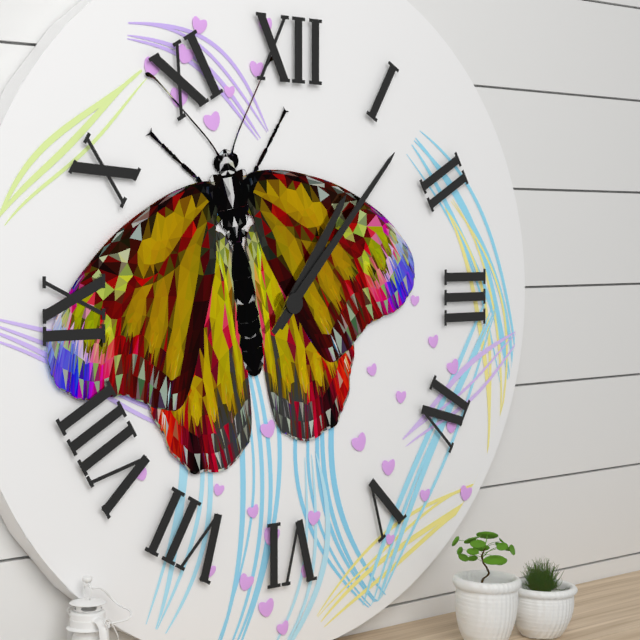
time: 1:07
